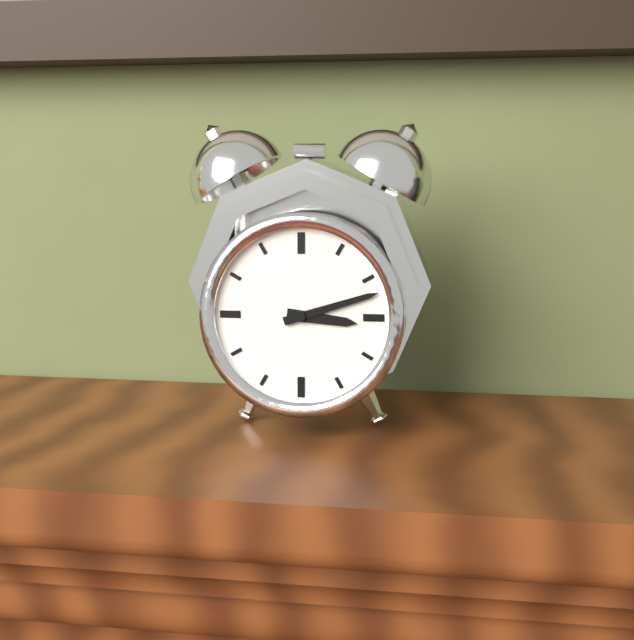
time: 3:12
